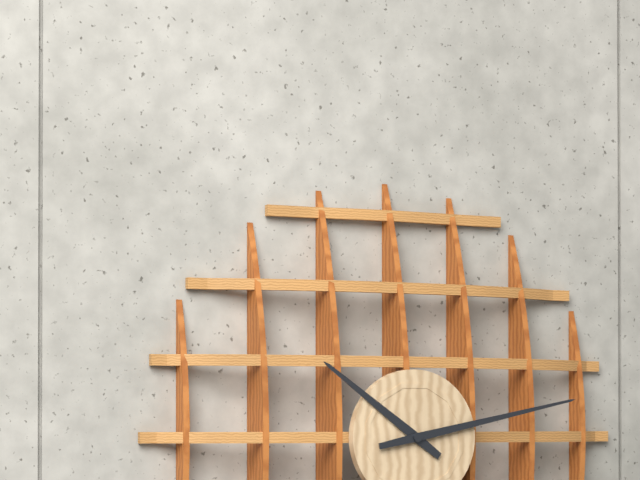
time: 10:13
